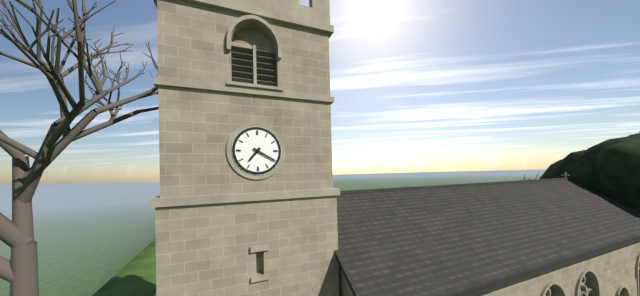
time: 7:20
